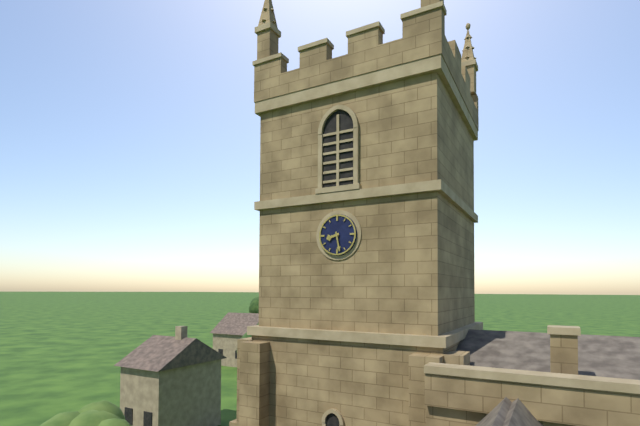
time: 8:28
